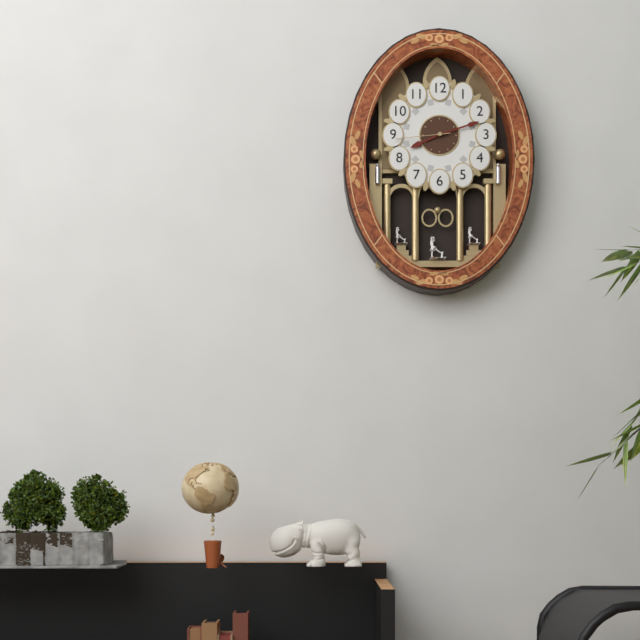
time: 8:12:44
